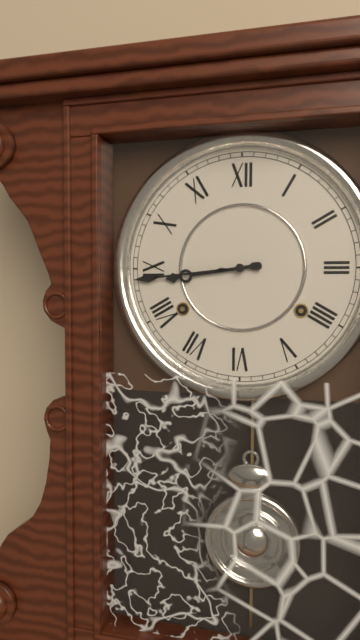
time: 8:44
